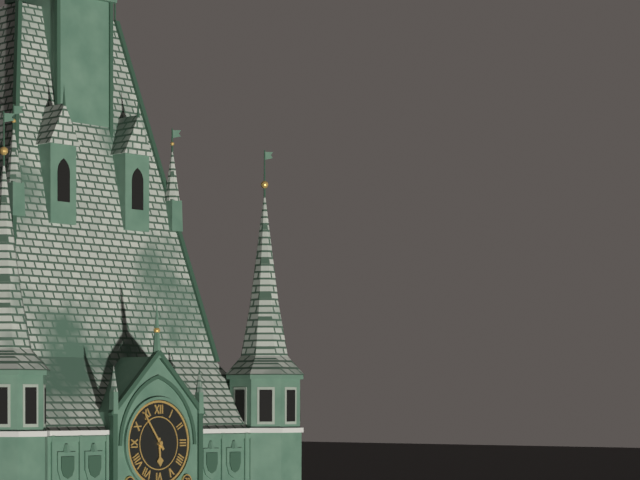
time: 5:54
